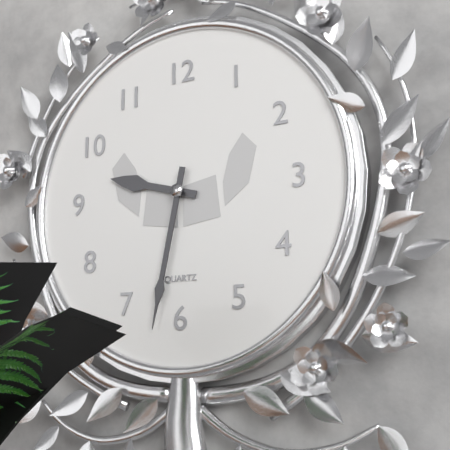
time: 9:32
